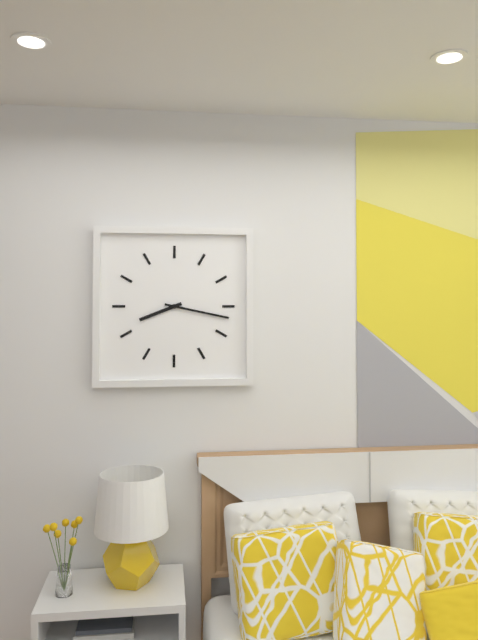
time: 8:17
